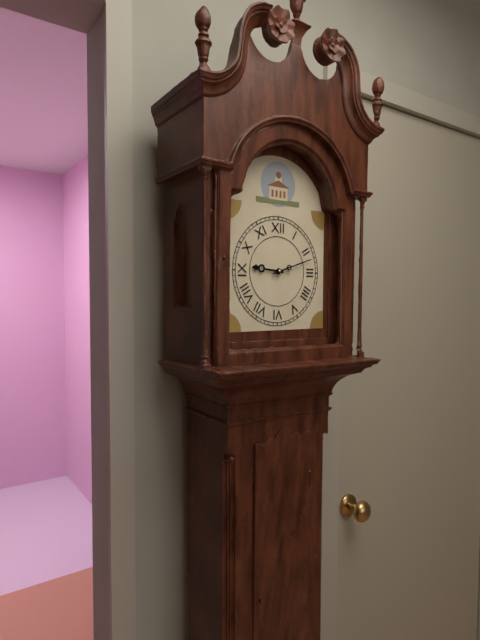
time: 9:12
